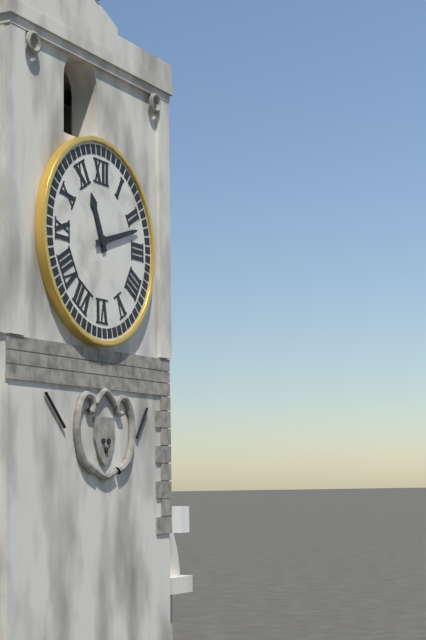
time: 11:12
